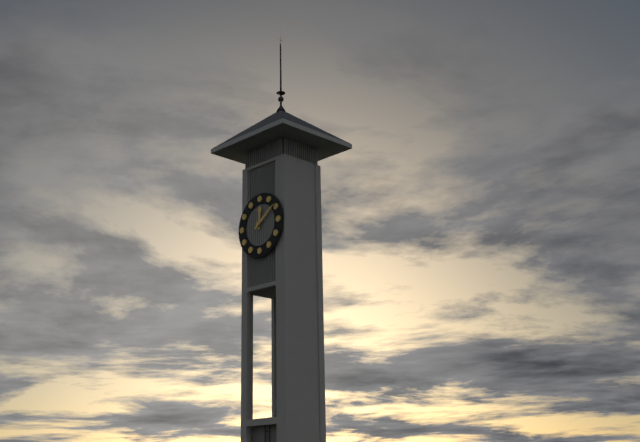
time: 12:09
